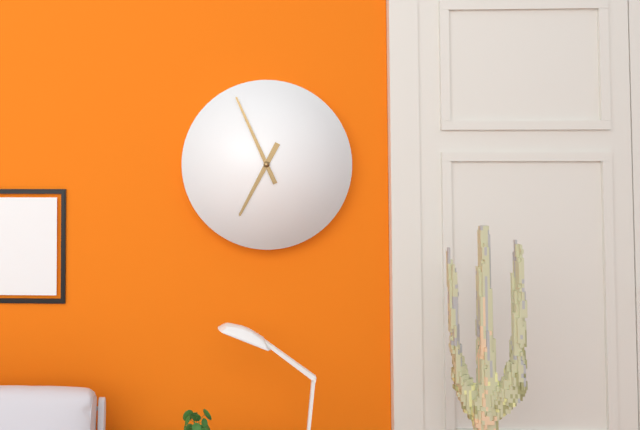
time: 6:56
